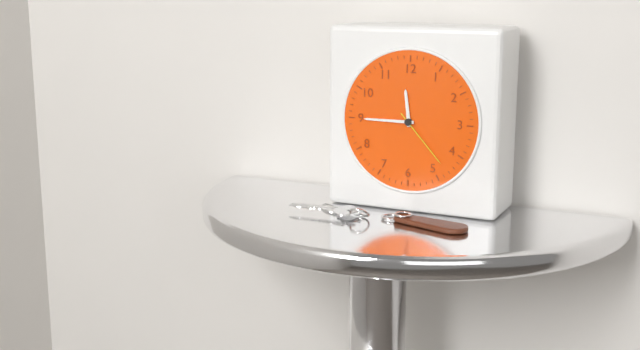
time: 11:45:23
